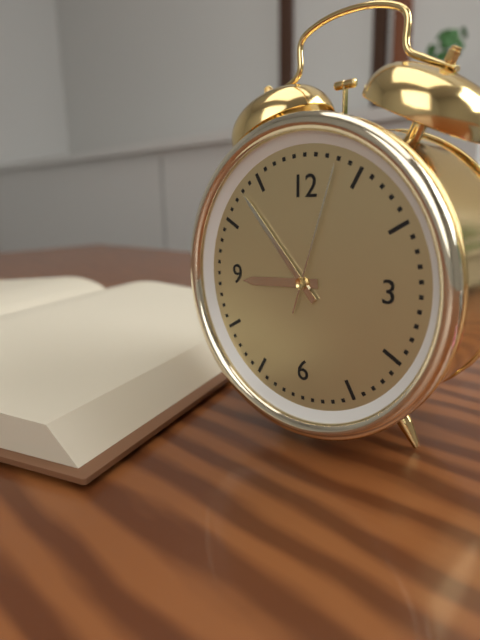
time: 8:53:03
